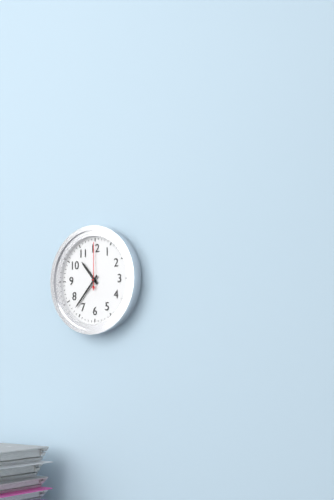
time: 10:37
